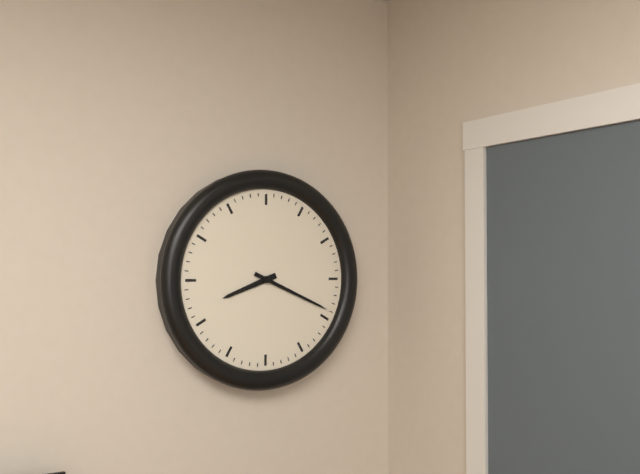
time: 8:19
